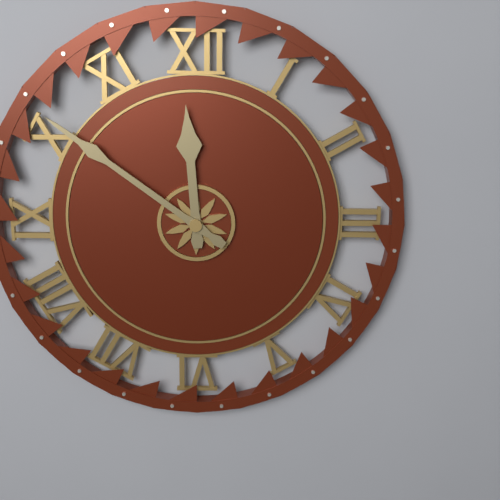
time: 11:51
